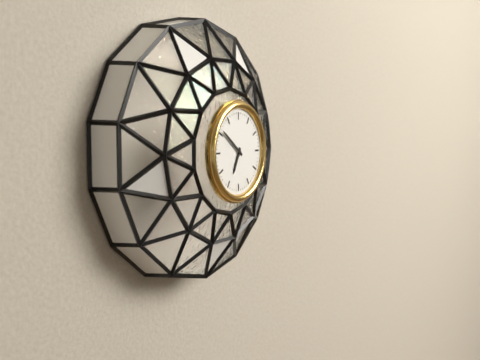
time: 6:51
